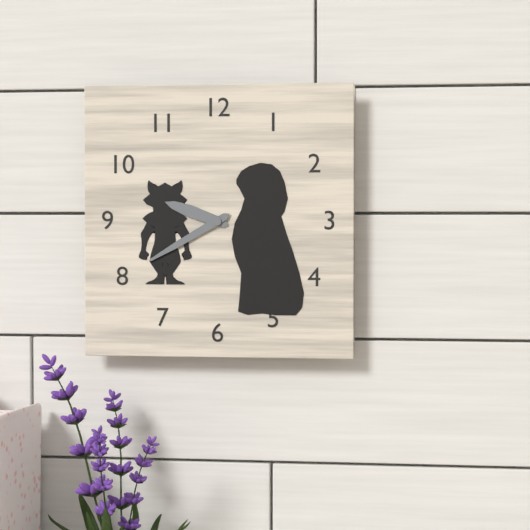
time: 9:40
